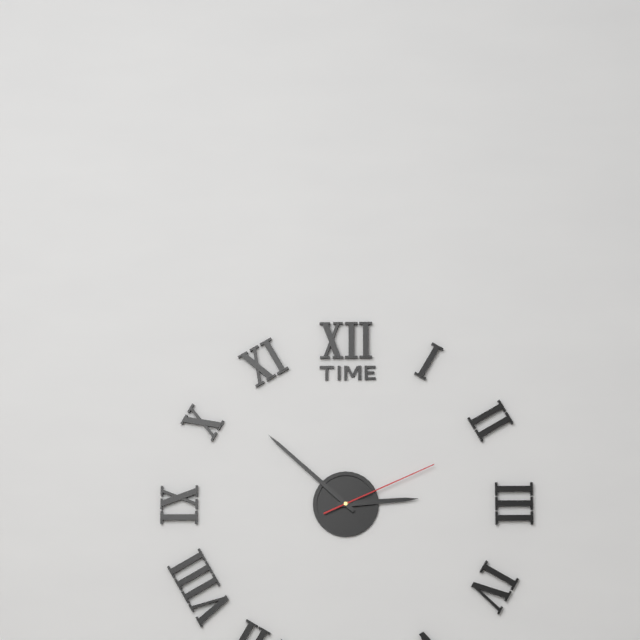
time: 2:52:11
